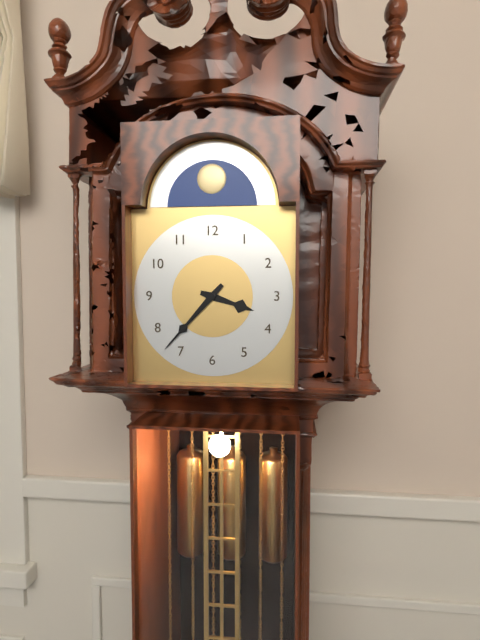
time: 3:37
